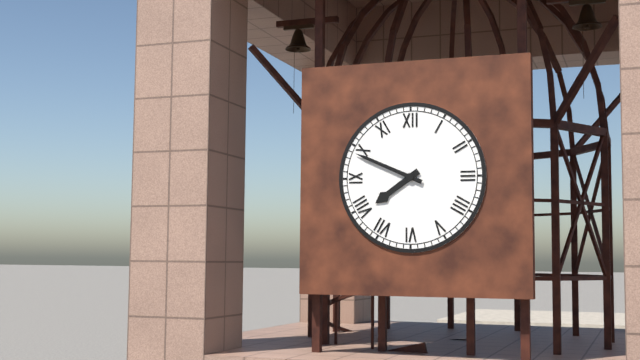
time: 7:49
